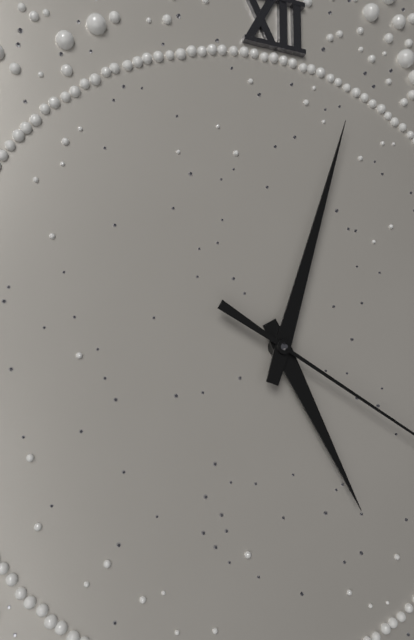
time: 5:03
